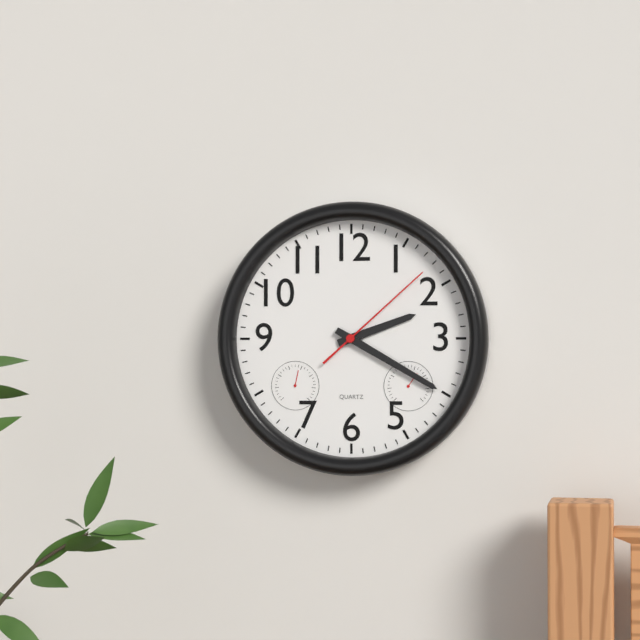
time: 2:20:08
